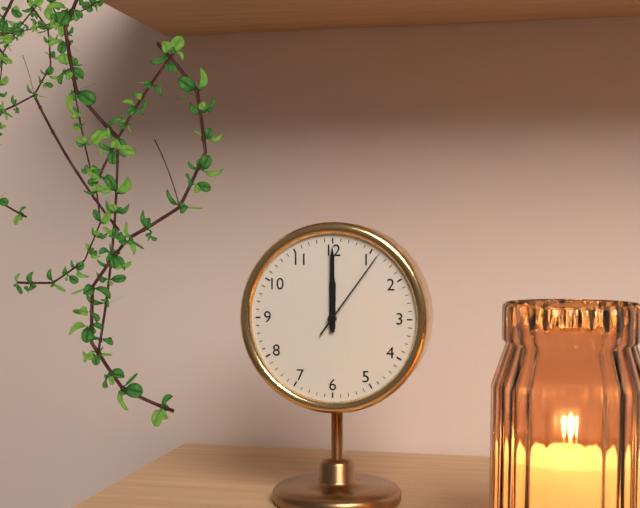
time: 12:00:06
